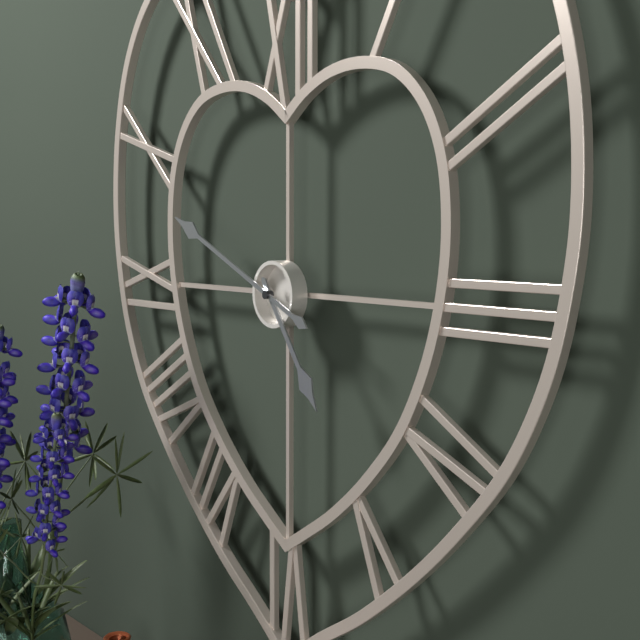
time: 4:49
